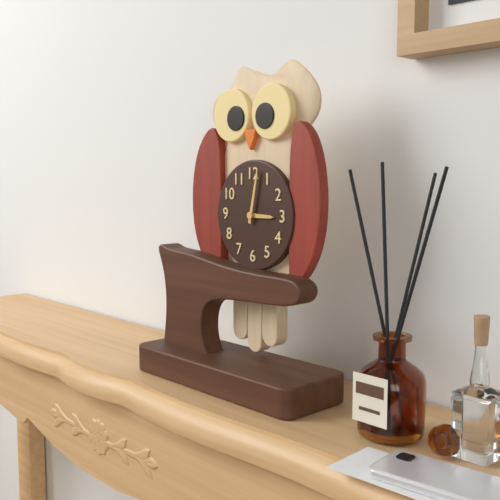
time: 3:02
